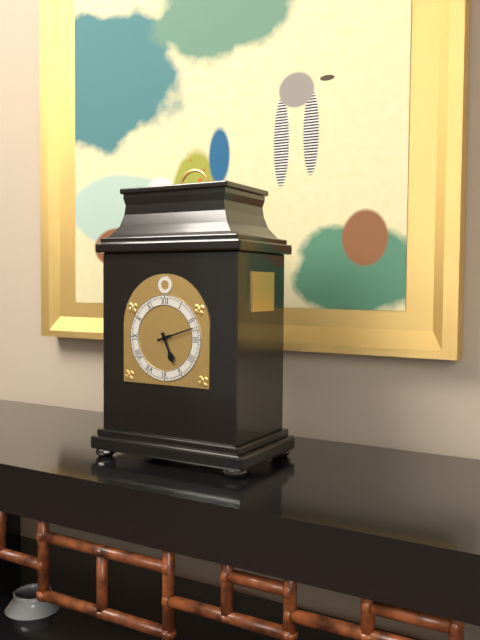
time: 5:12
